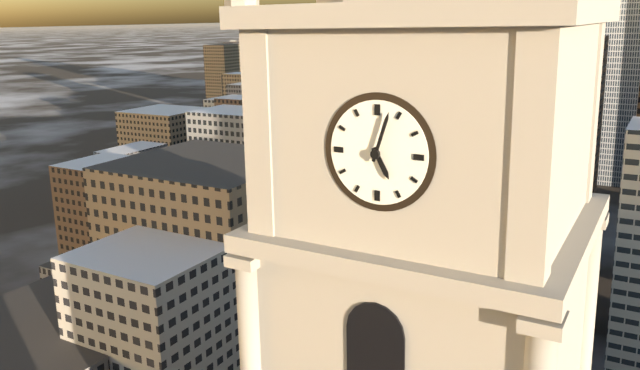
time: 5:03
